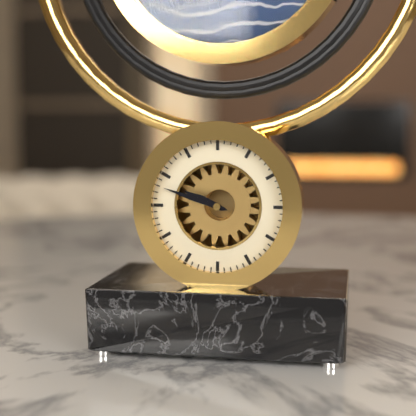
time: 9:48
